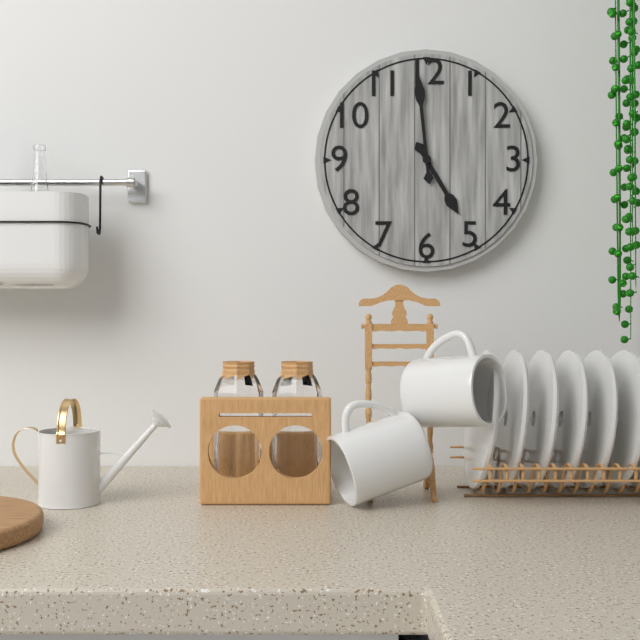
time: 4:59
